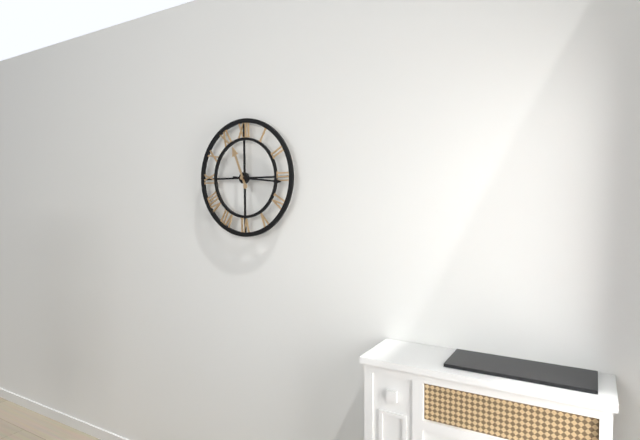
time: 11:16
